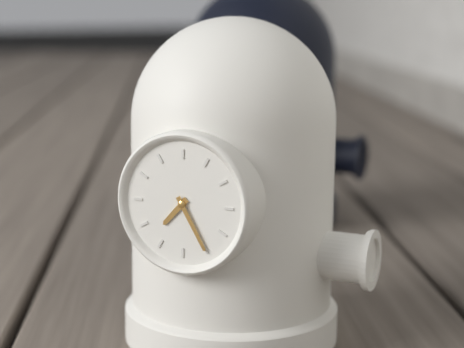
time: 7:25
